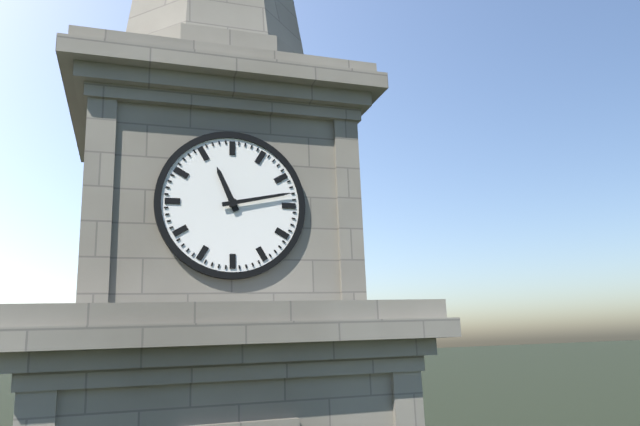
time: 11:13
